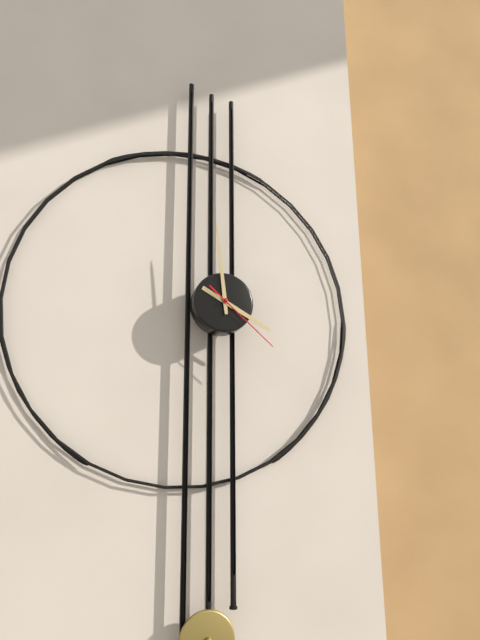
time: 3:59:22
